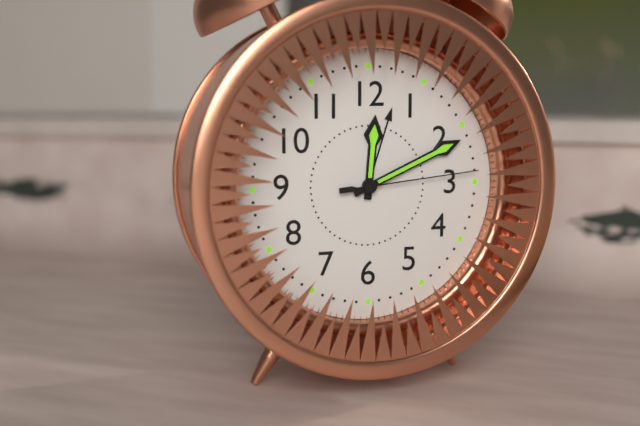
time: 12:11:14
